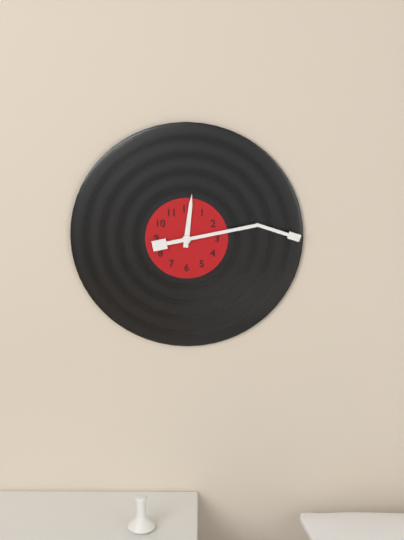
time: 12:13
